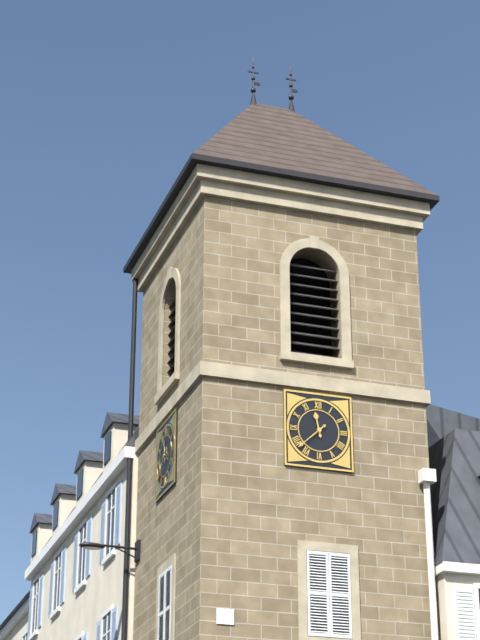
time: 11:38
